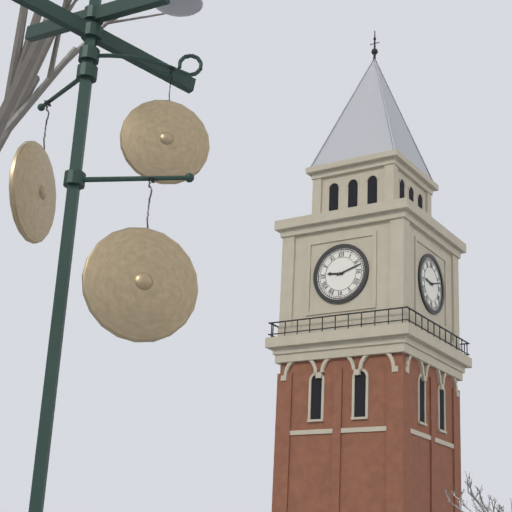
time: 9:12
